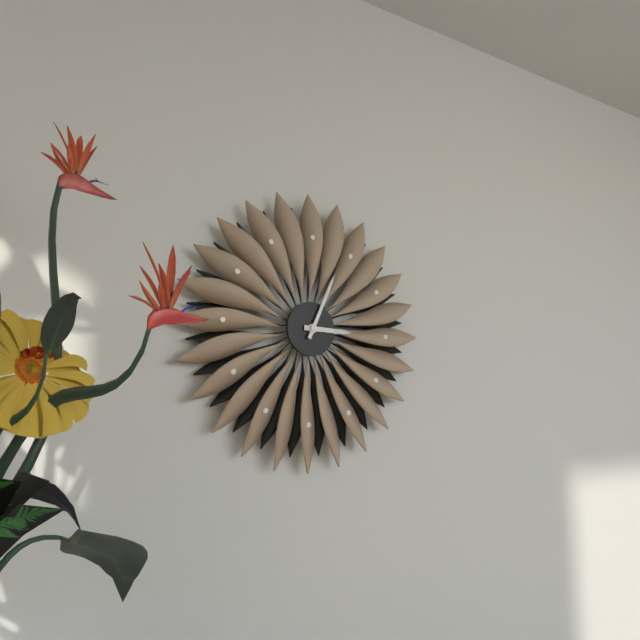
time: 3:04
